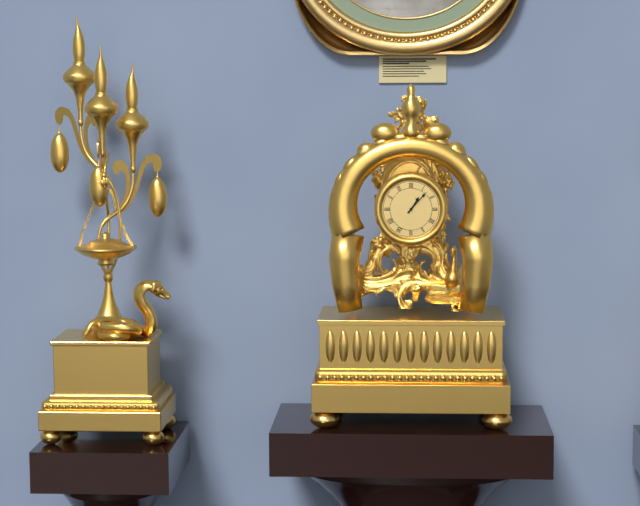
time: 1:07
